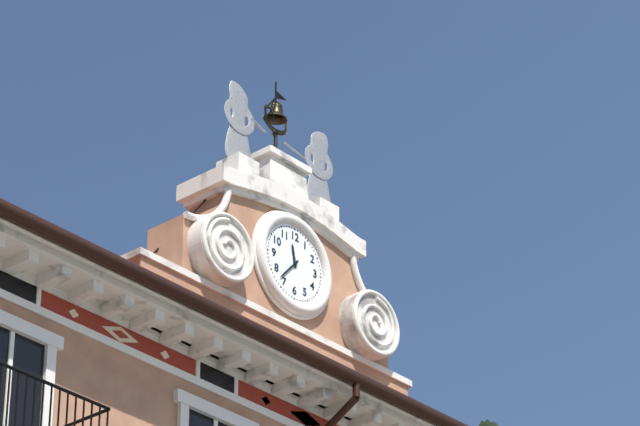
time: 11:37
